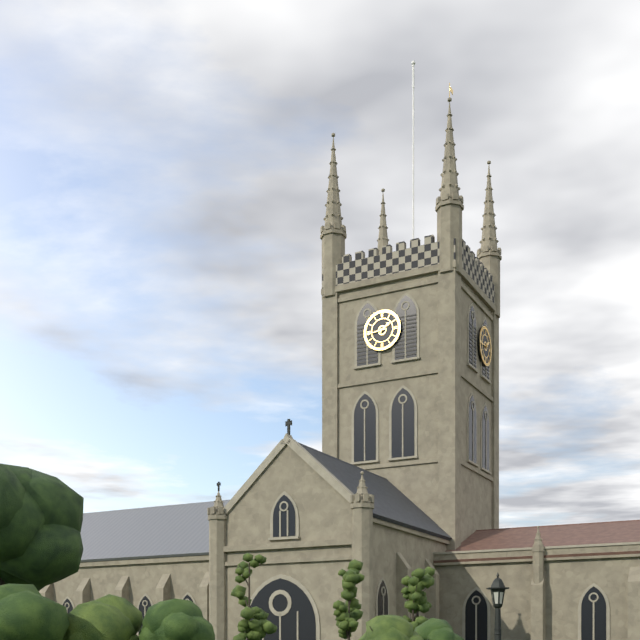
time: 1:44
